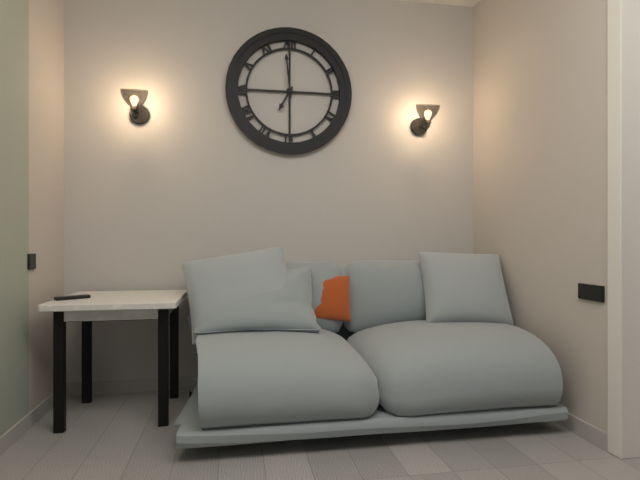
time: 6:59
